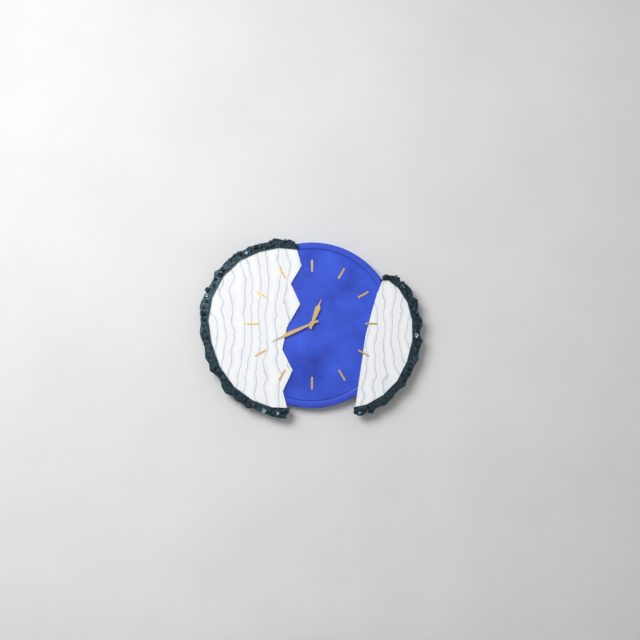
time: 12:41
